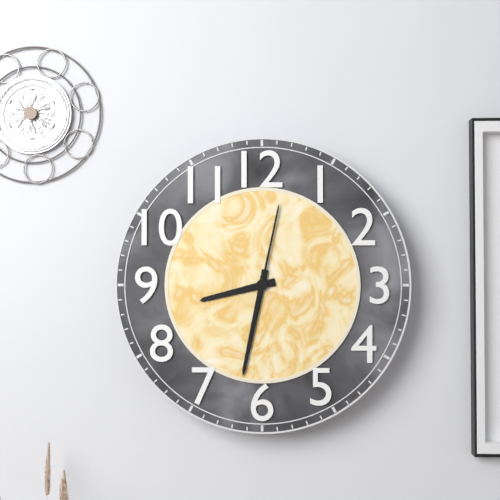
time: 8:32:02
